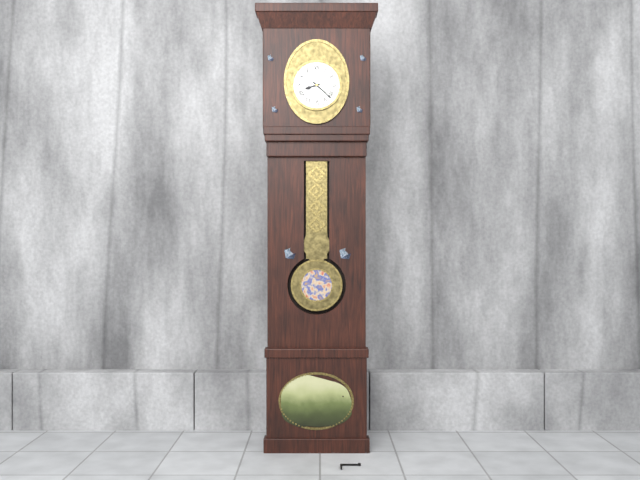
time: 8:22
